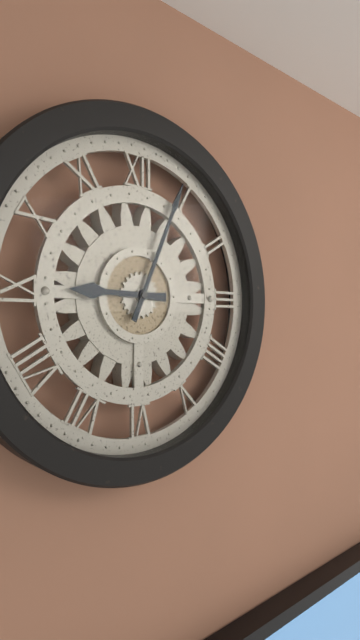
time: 9:04
